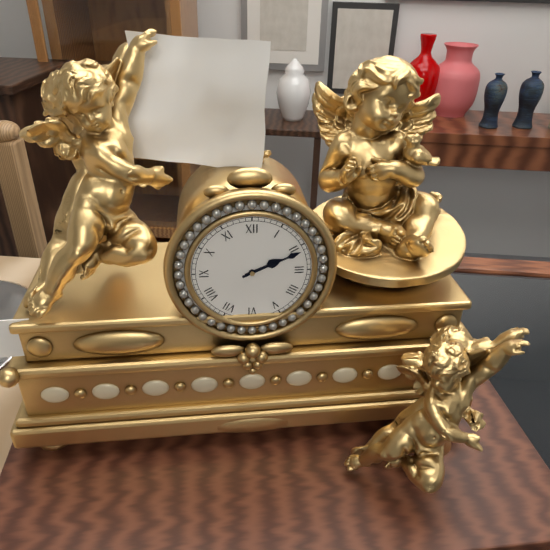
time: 2:11
